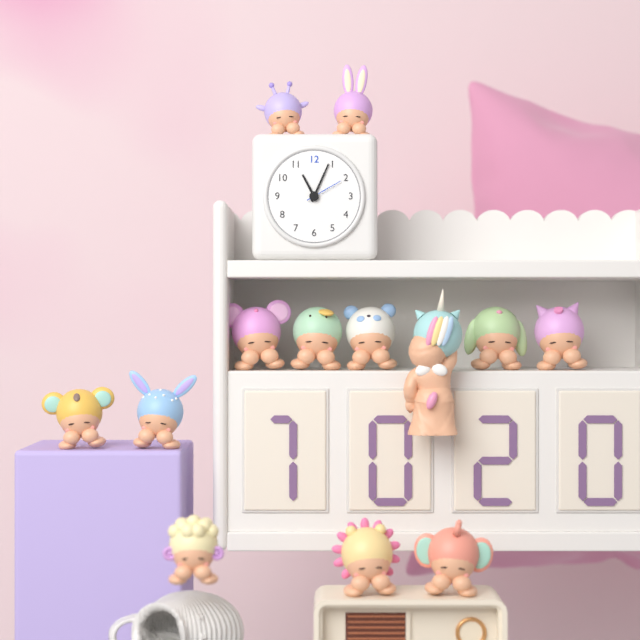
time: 11:04
